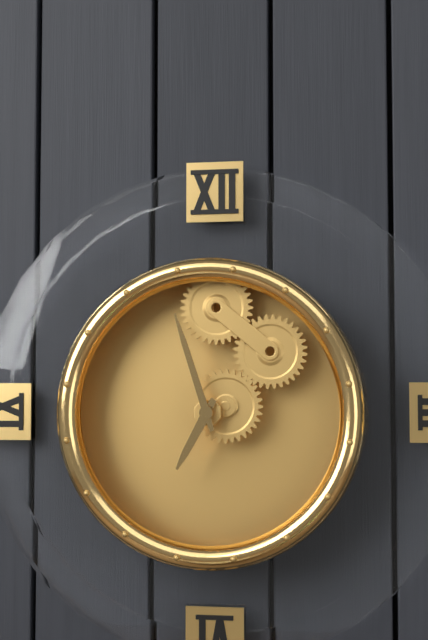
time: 6:57
